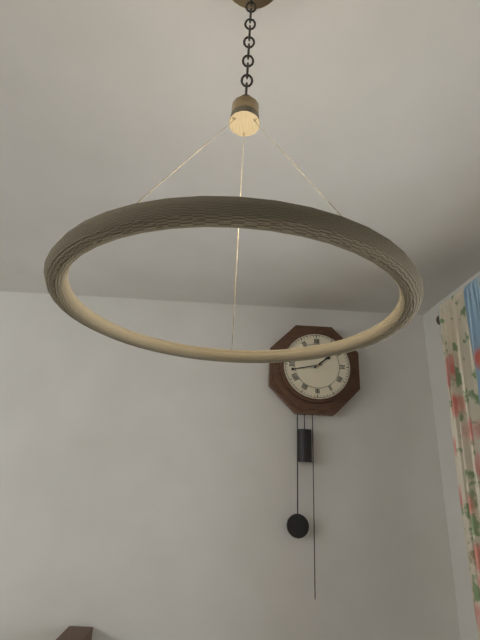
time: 1:43
